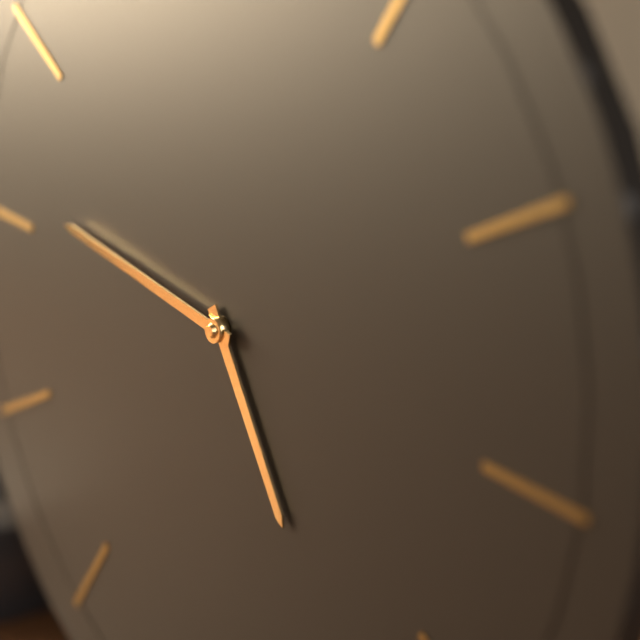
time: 4:46
